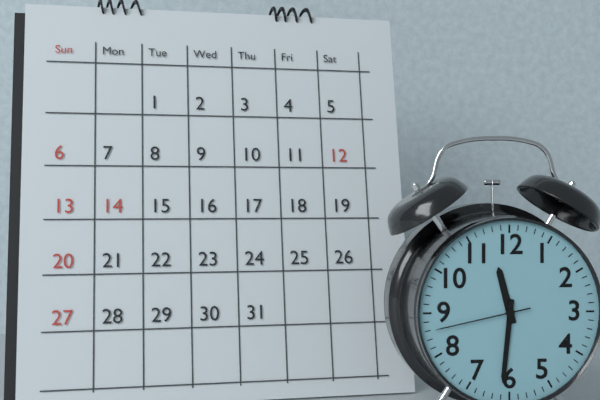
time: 11:31:43
